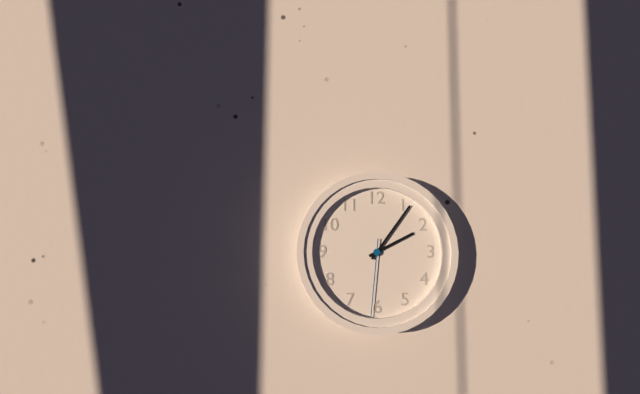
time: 2:06:31
